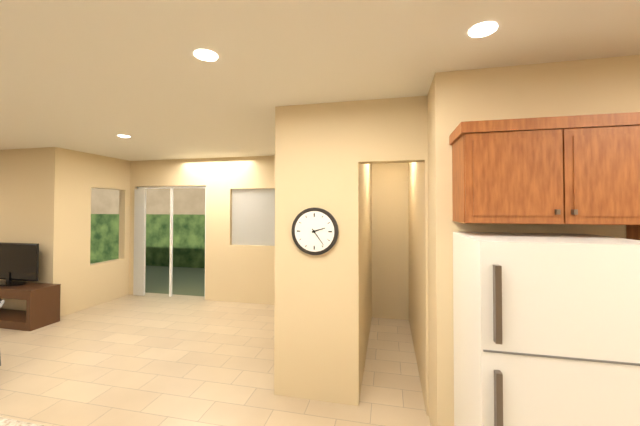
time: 2:24
